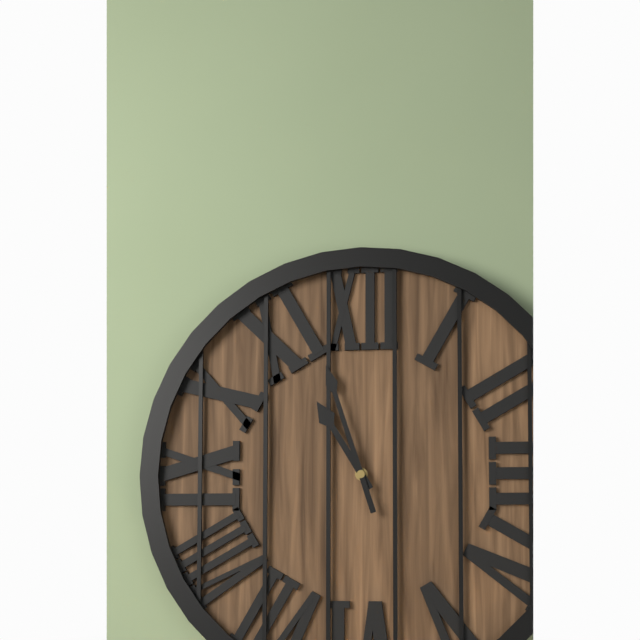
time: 10:57
